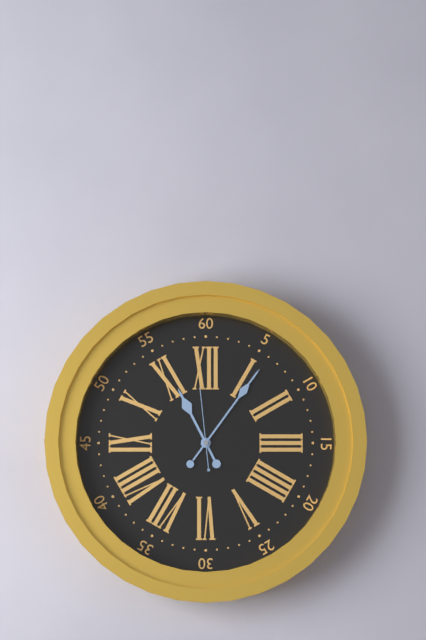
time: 11:06:59
